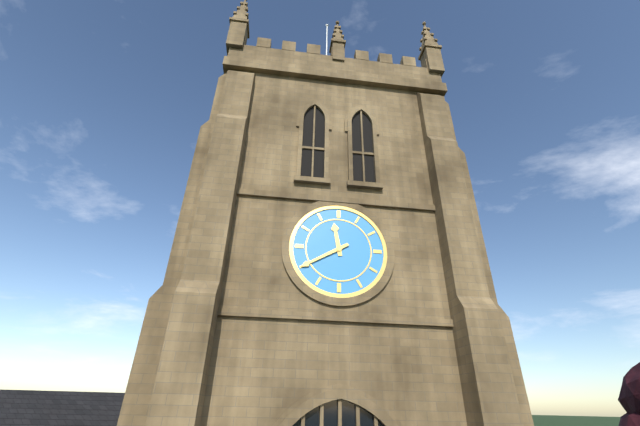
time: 11:40
